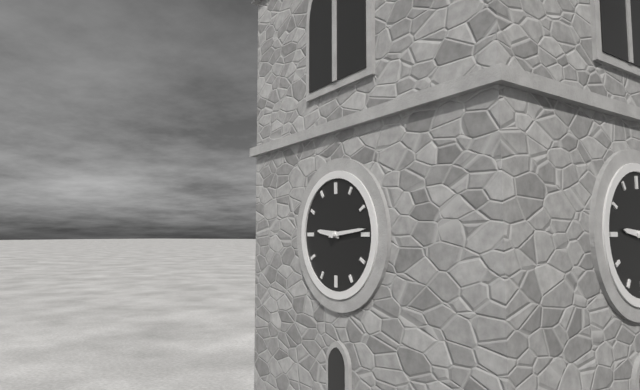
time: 9:14
